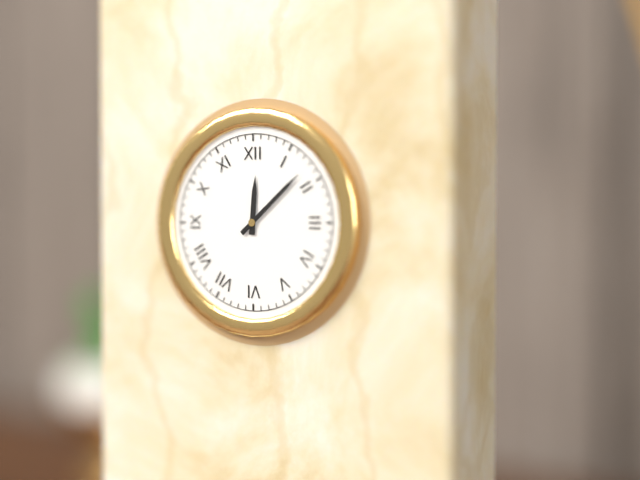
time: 12:08
